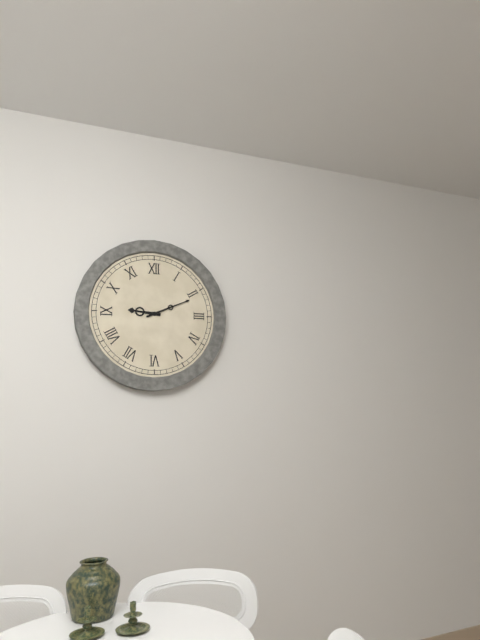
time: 9:11
